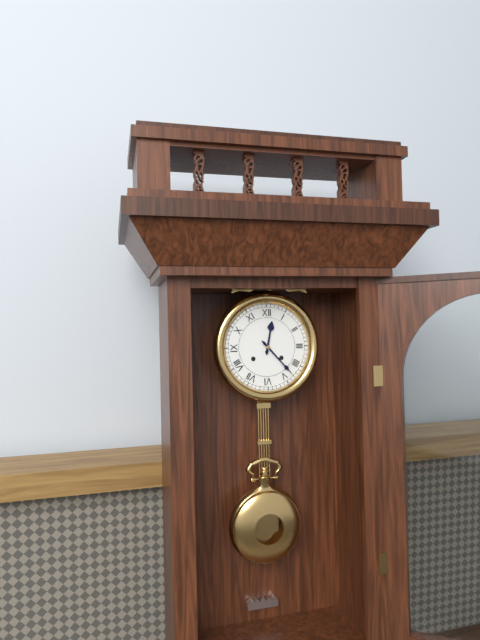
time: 12:23
